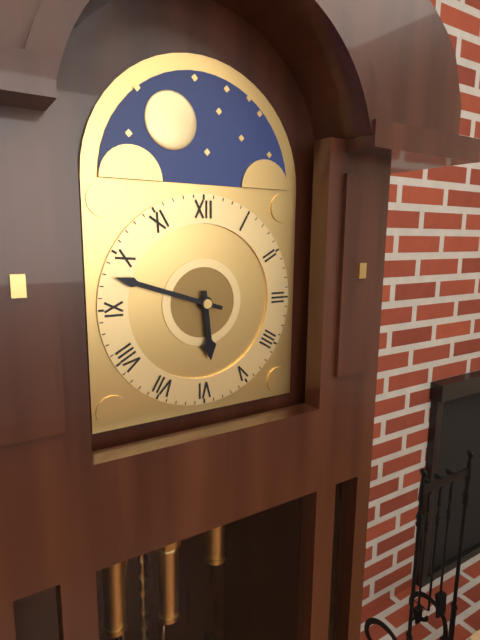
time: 5:48
